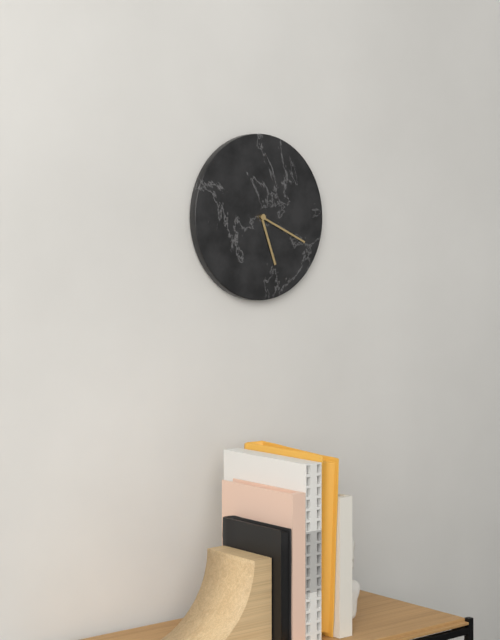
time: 5:19
